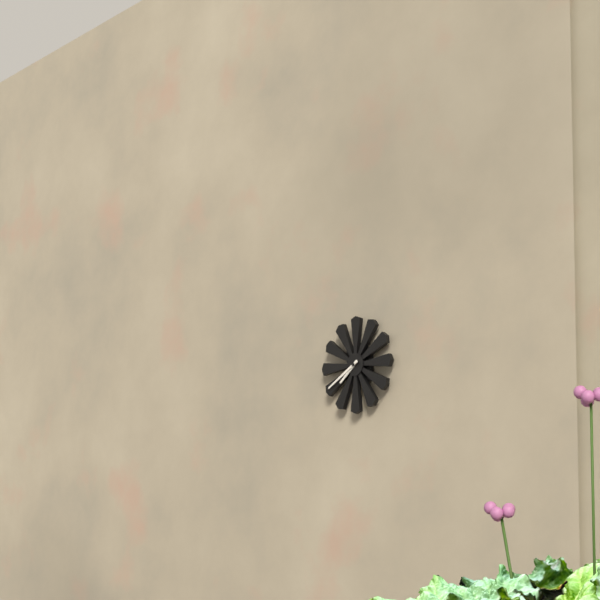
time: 7:40
